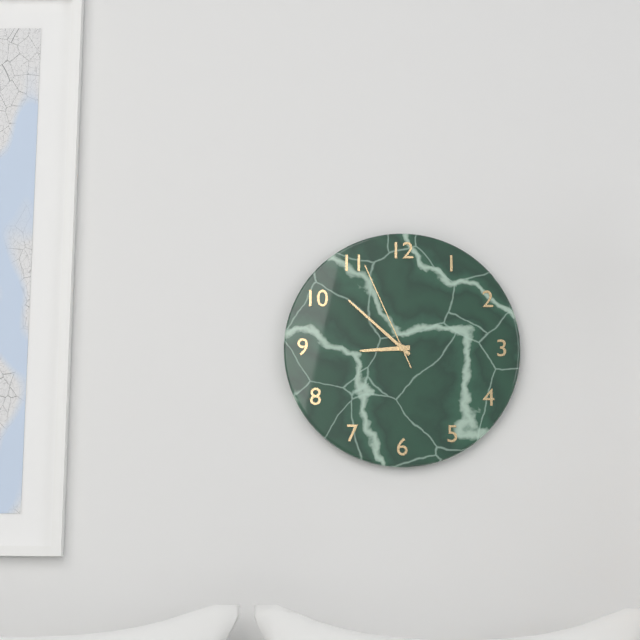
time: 8:52:56
